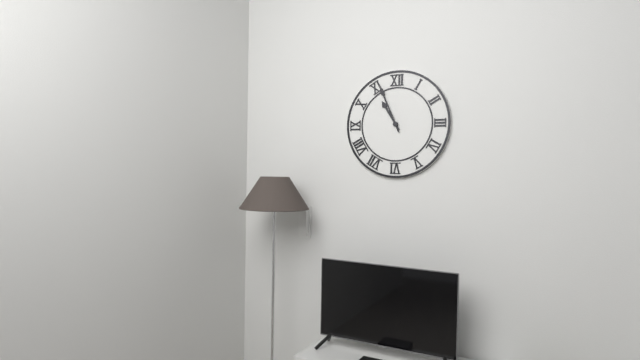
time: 10:56
